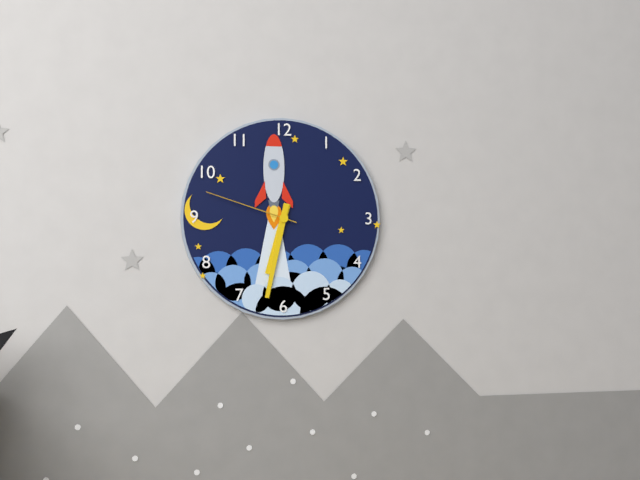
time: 6:32:48
